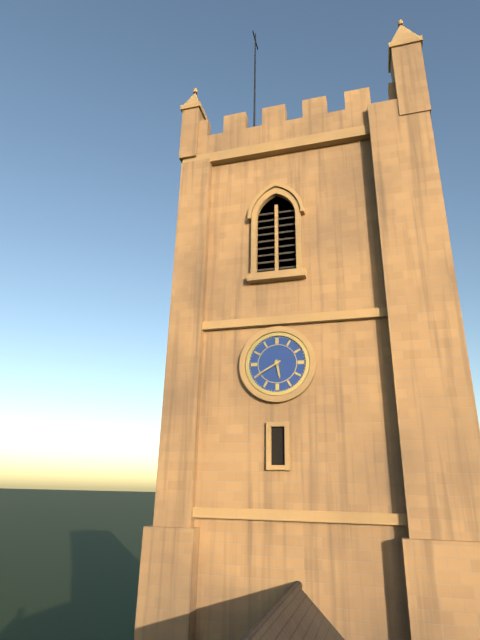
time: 5:40
